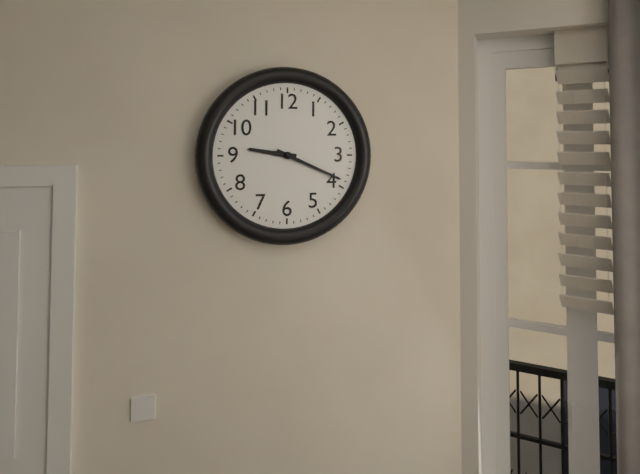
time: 9:19
